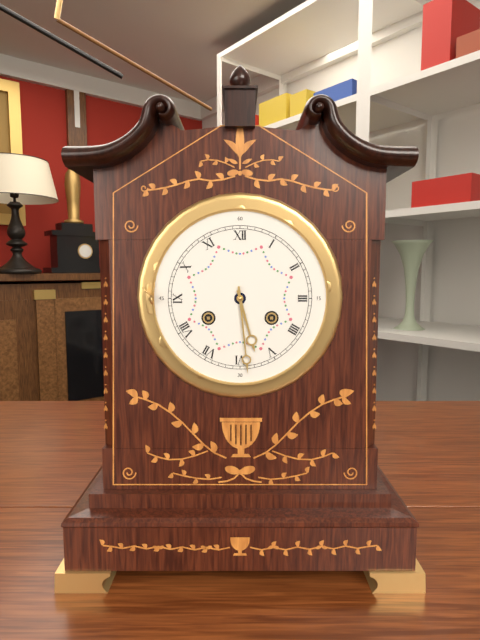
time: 5:29
